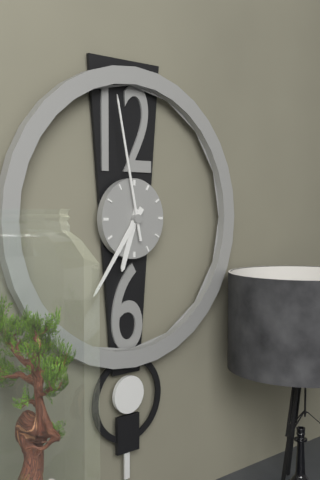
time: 6:36:58
